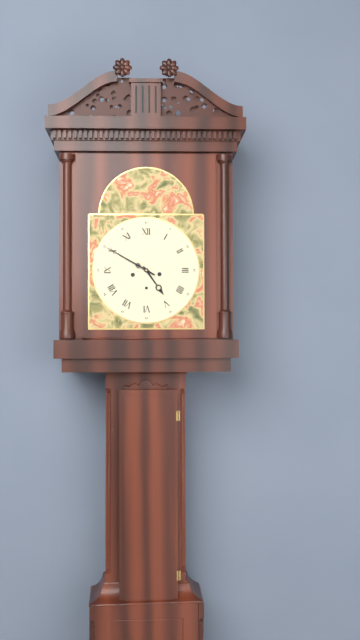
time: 4:50
